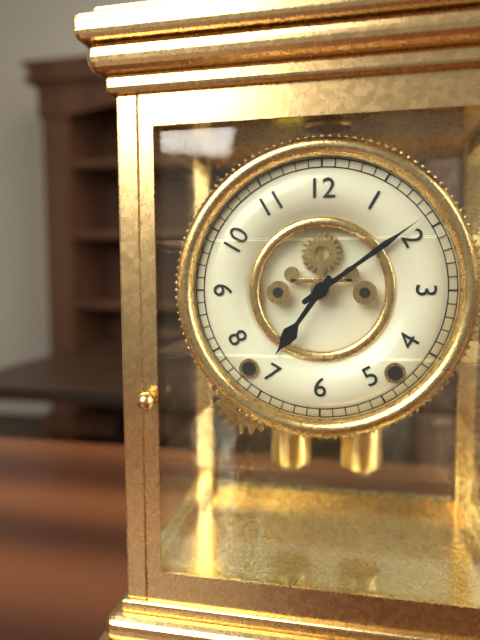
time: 7:09
